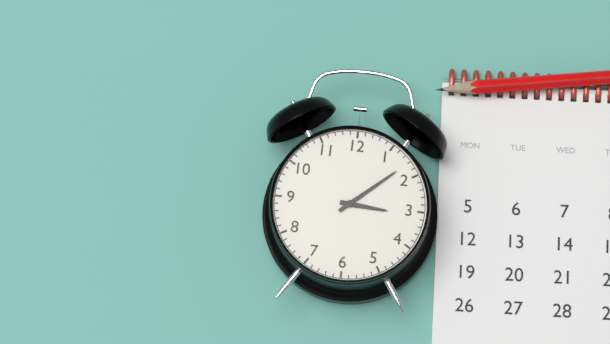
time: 3:08
